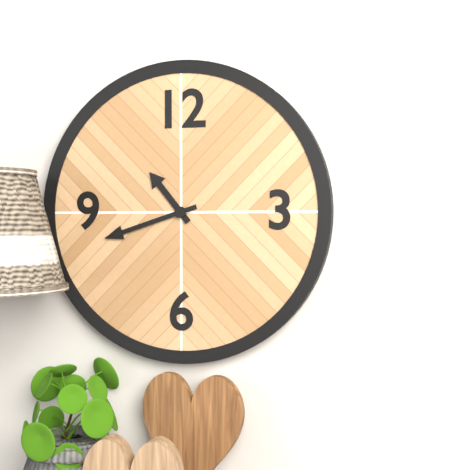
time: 10:42
